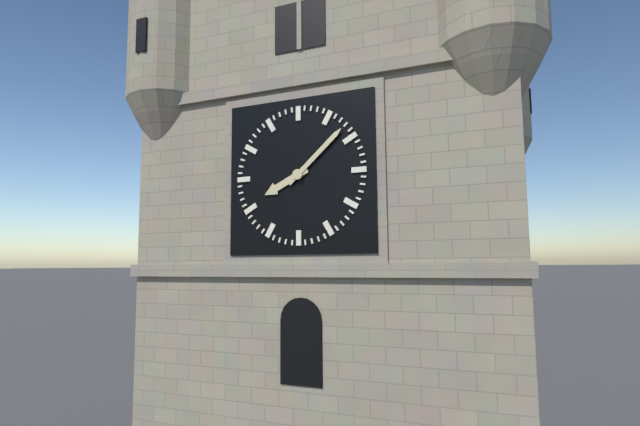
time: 8:08
